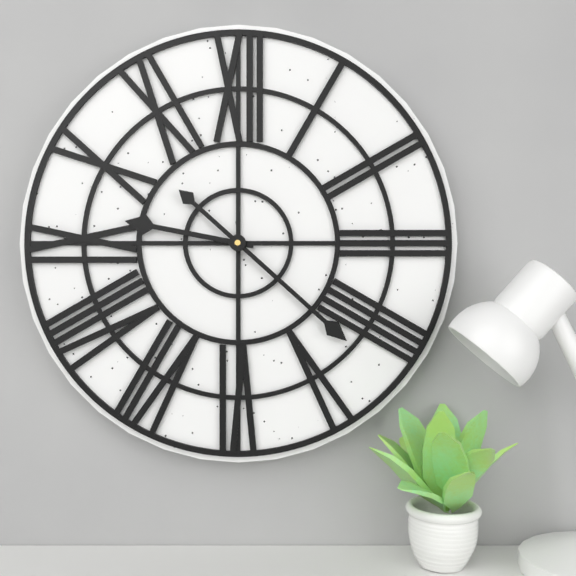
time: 9:22
